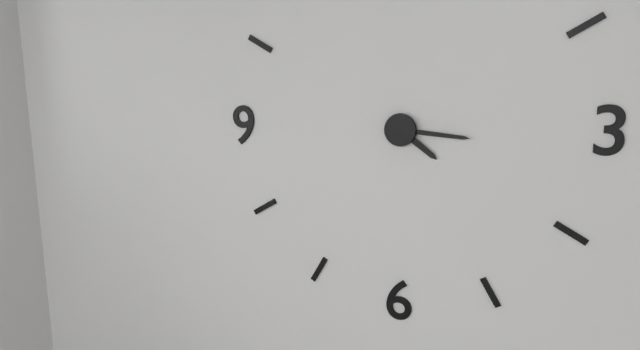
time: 4:16
